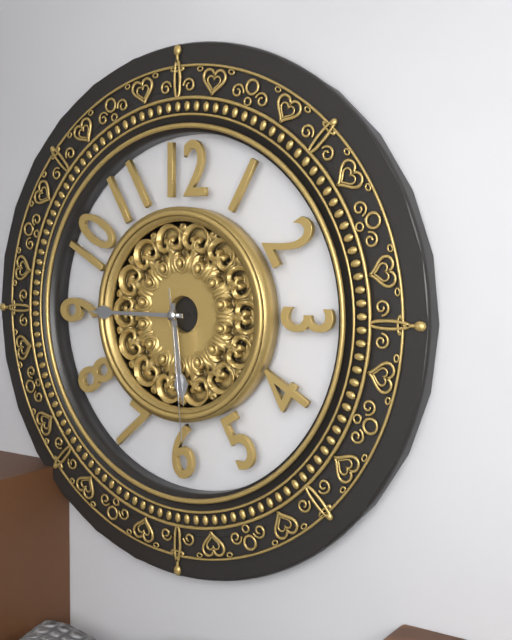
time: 5:45:29
